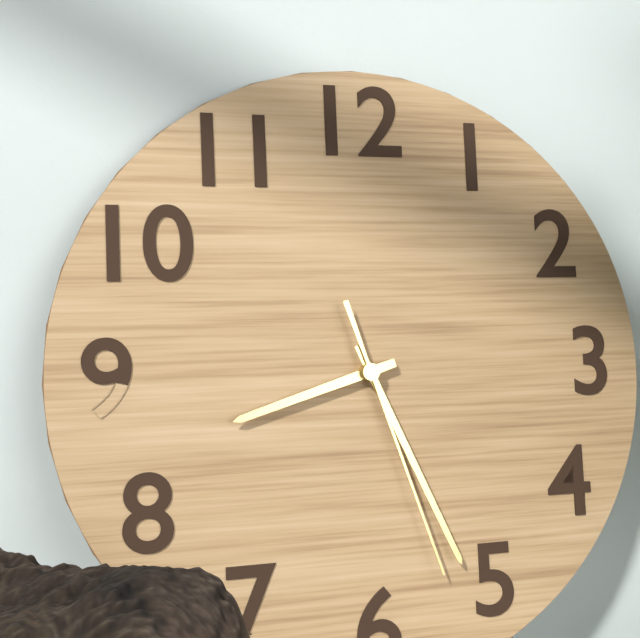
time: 8:26:27
